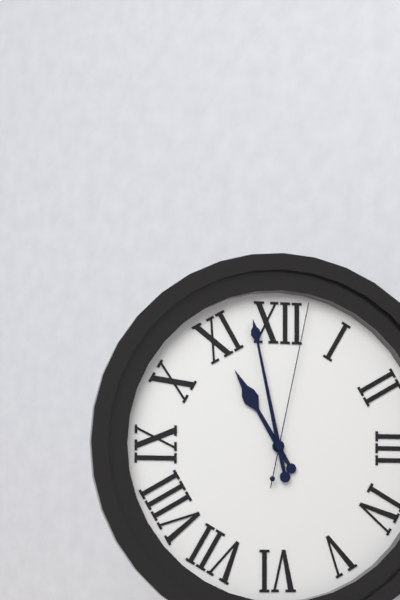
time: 10:58:02
